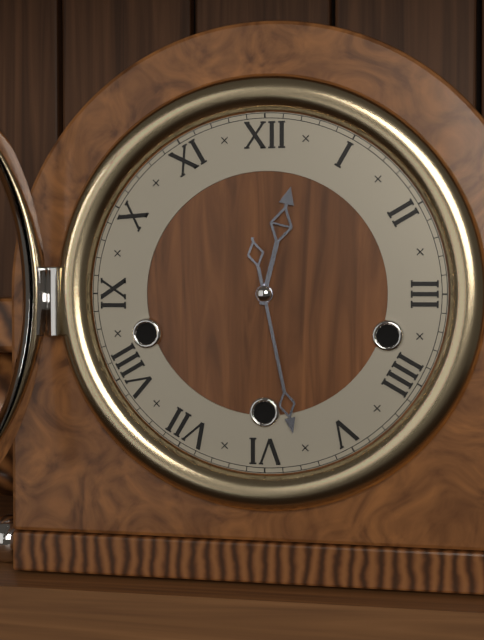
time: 12:28
